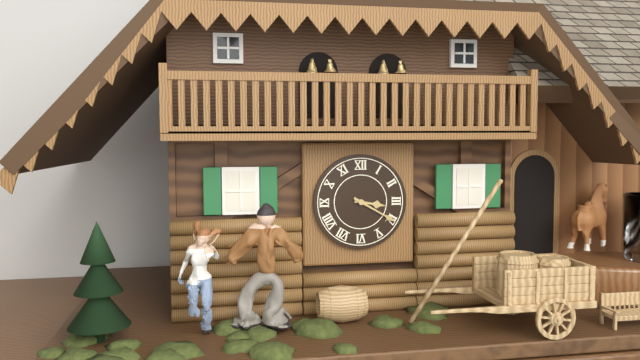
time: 3:20
